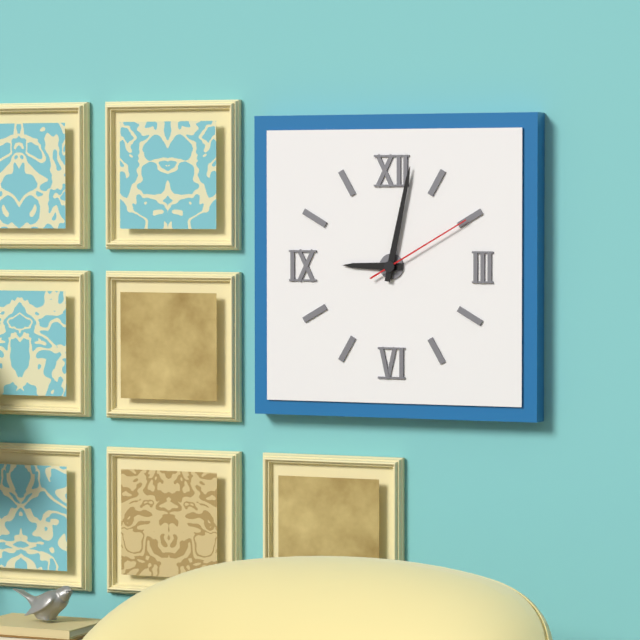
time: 9:02:10
